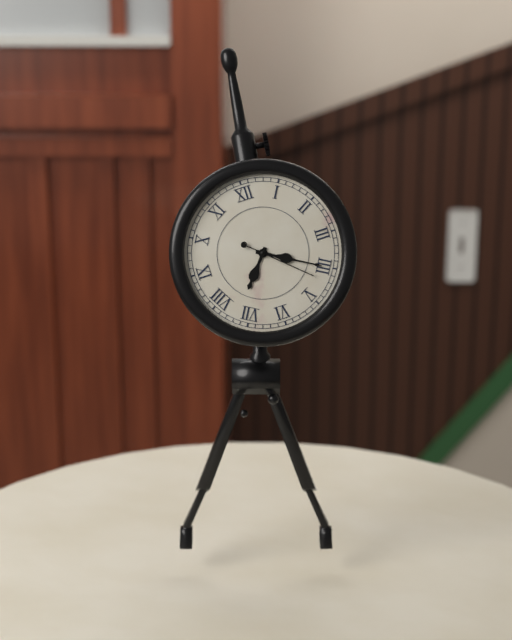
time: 7:20:22
